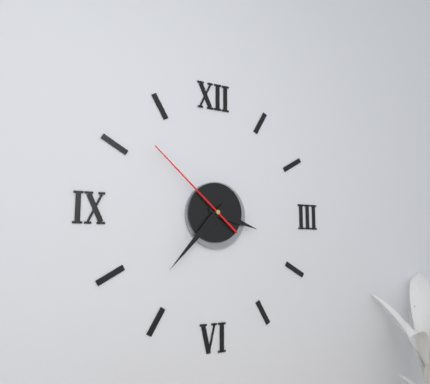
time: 3:37:52
